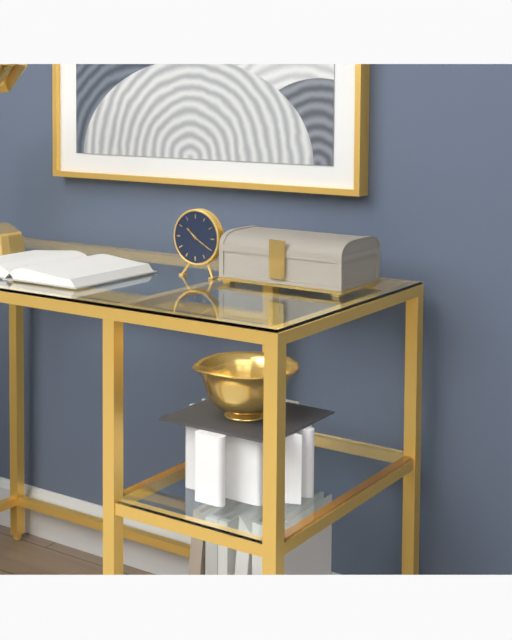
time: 10:20
